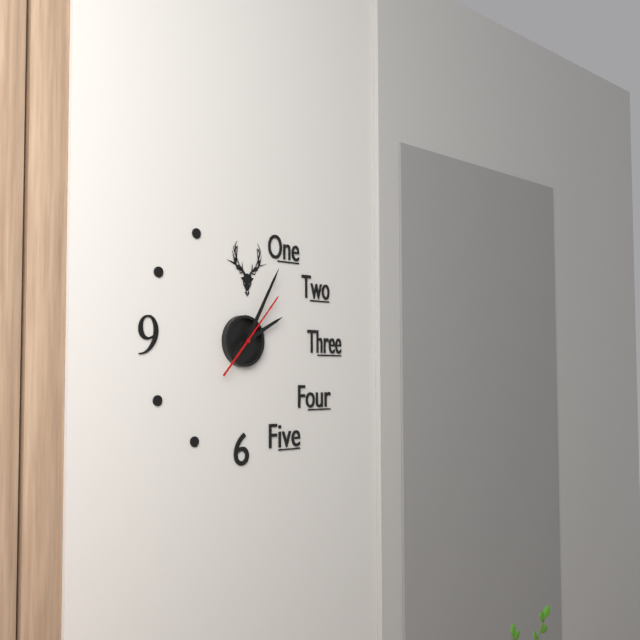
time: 2:05:07
